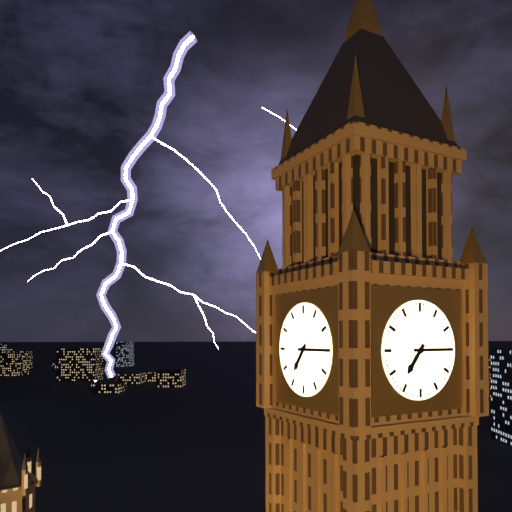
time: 7:15
